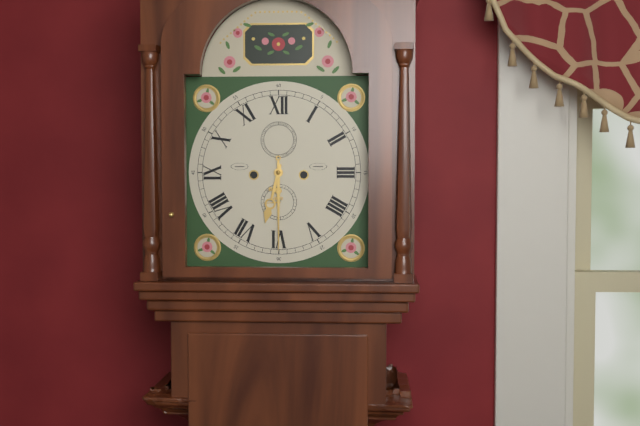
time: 6:30
